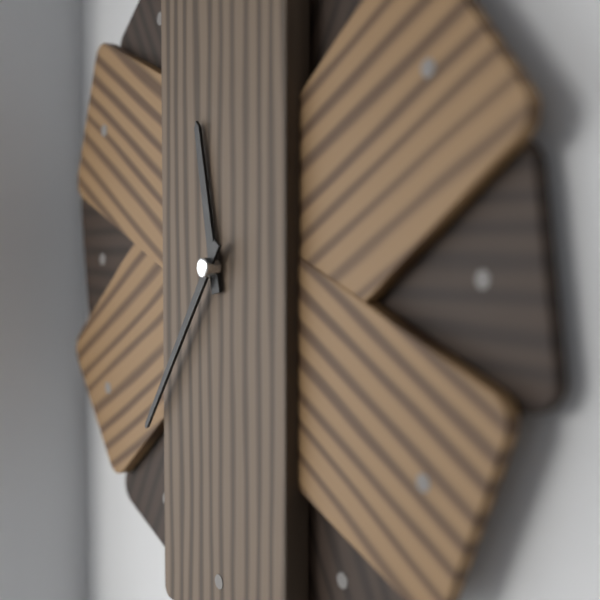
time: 11:36
